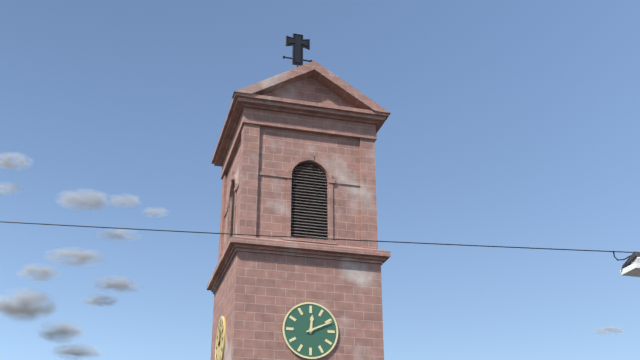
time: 12:11
